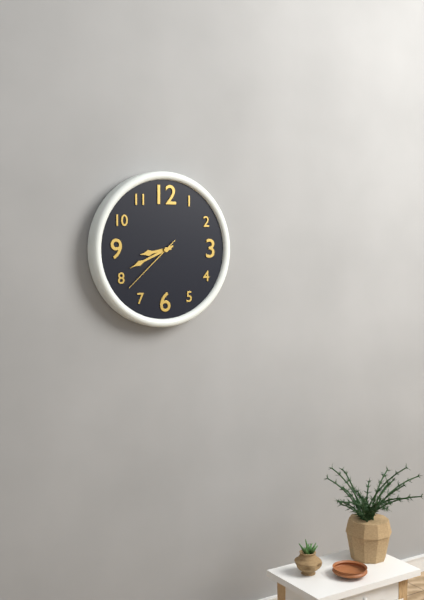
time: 8:41:38
